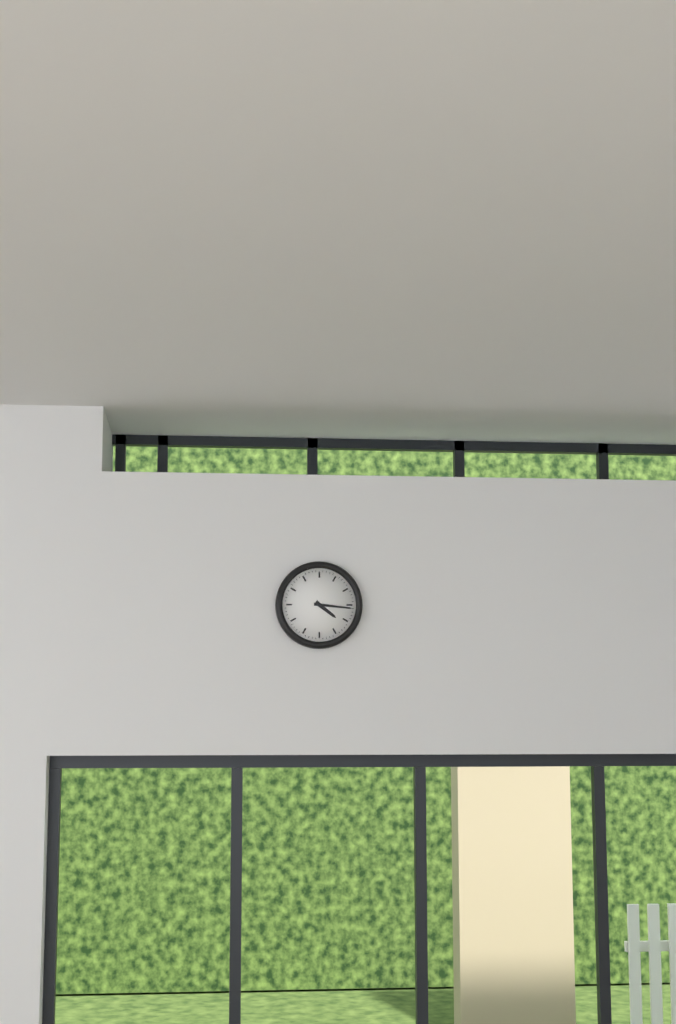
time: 4:16
